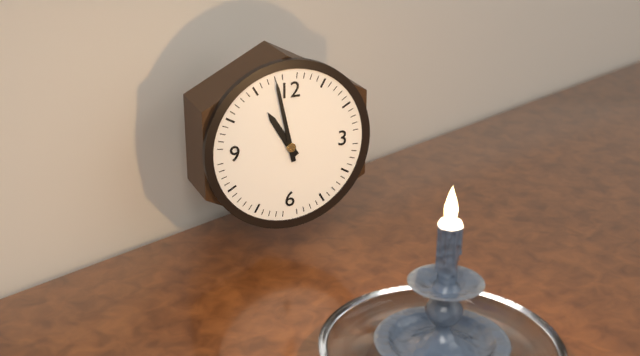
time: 10:58
